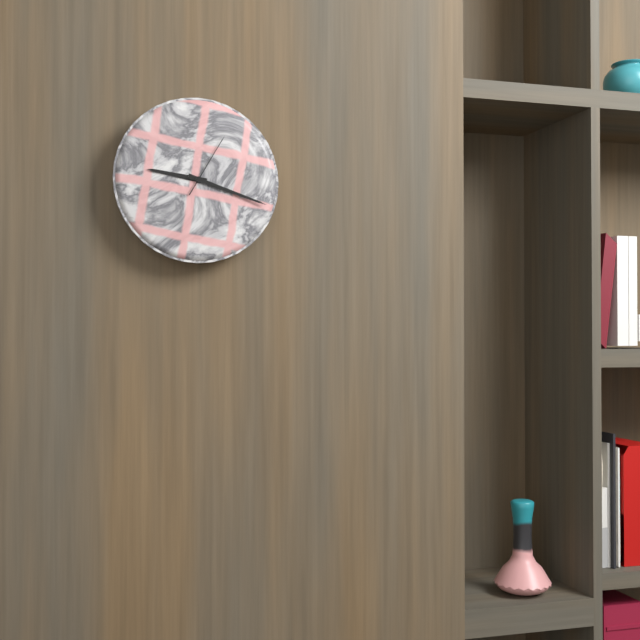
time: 9:18:05
